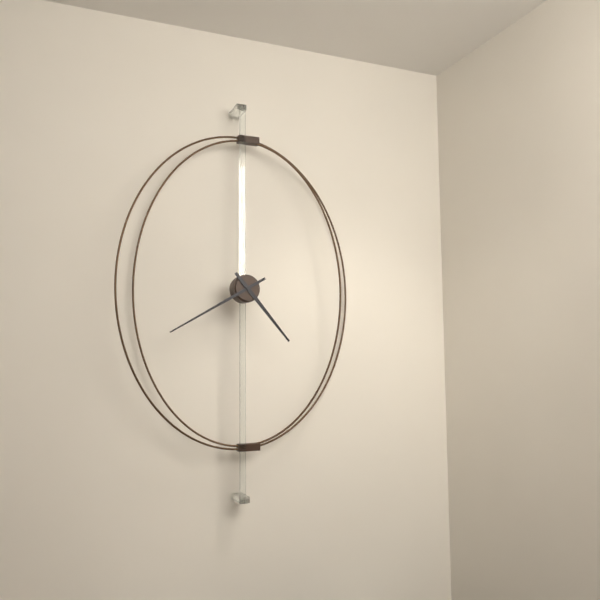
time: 4:40
